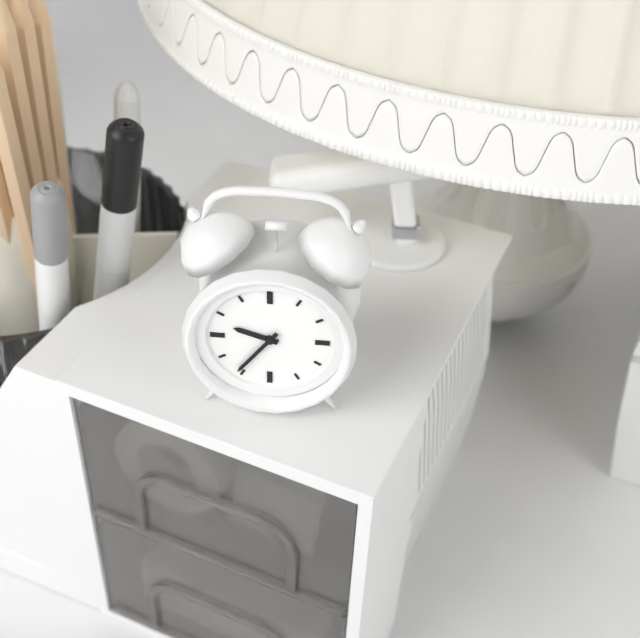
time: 9:36
